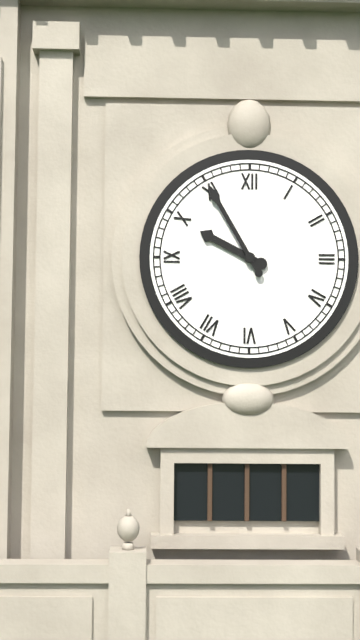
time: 9:55
